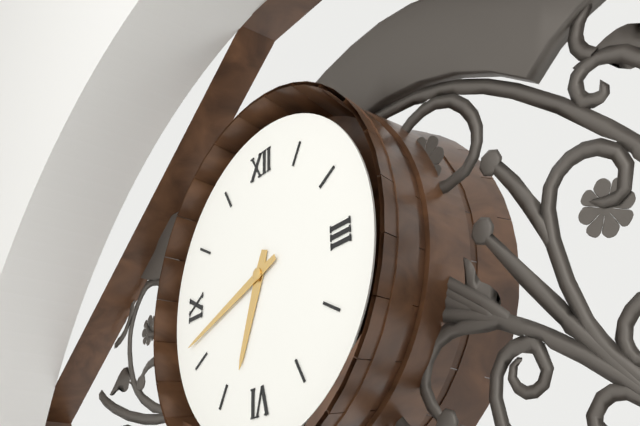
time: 6:42
